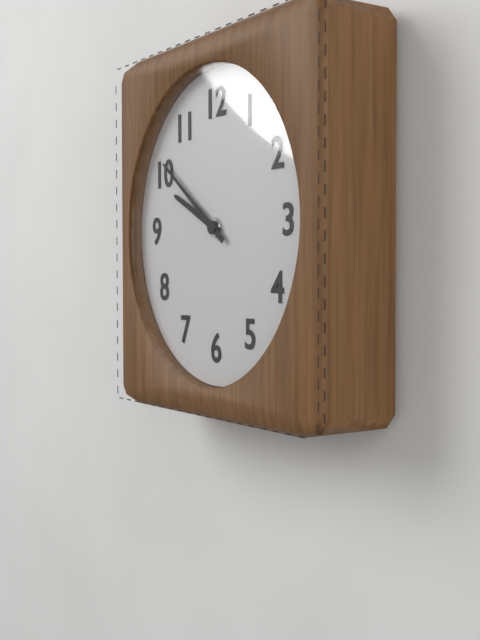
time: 9:51
